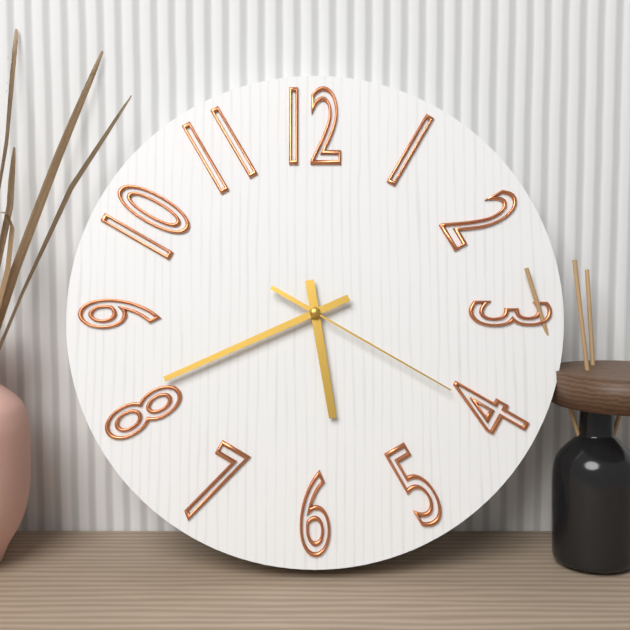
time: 5:41:20
